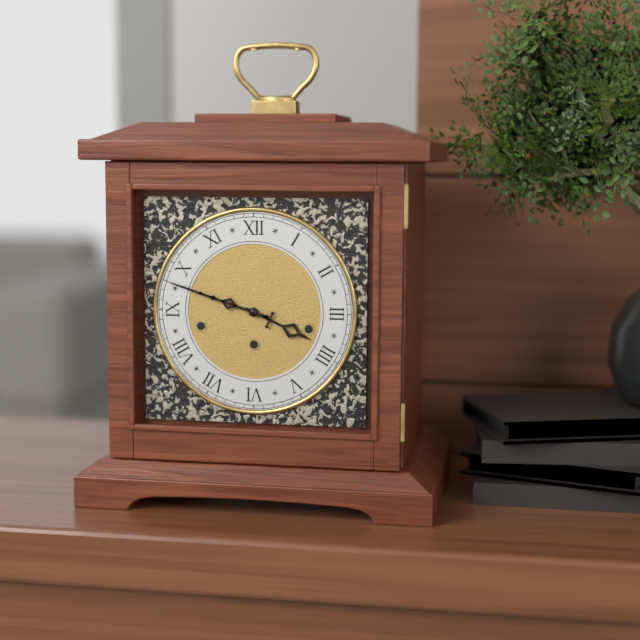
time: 3:48
